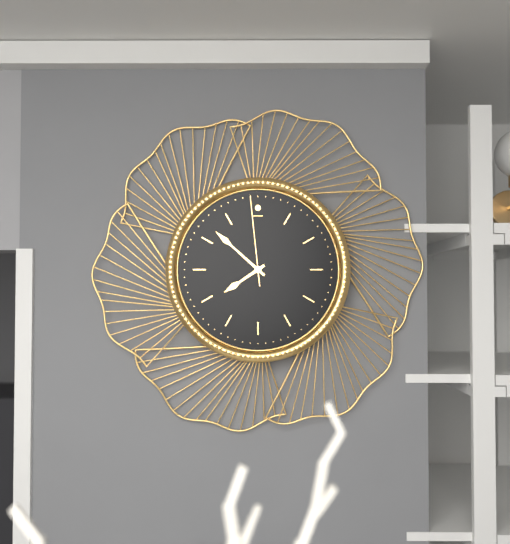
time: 7:52:59
